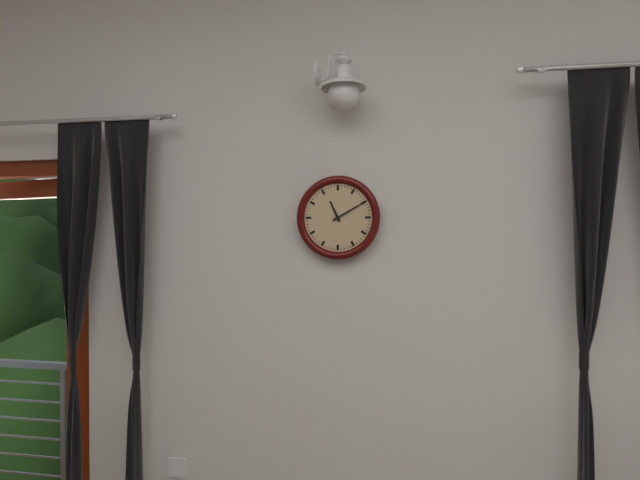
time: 11:10
